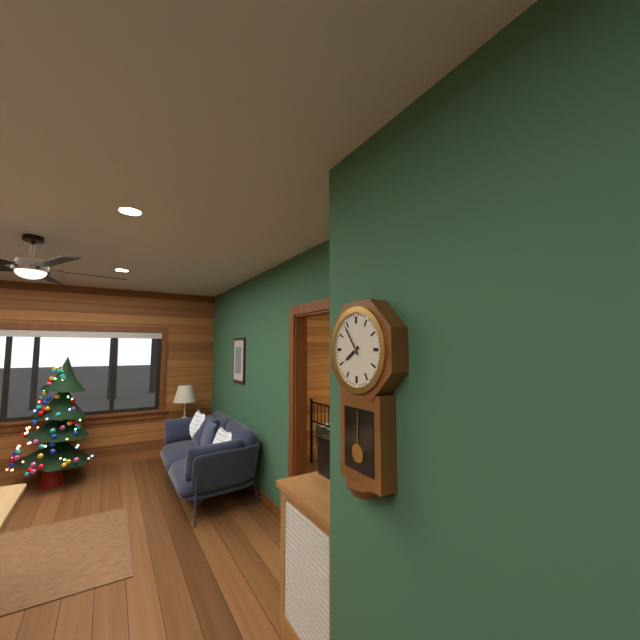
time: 7:54
